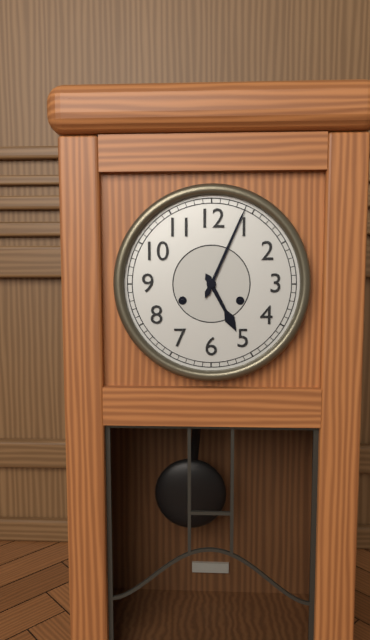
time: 5:04
